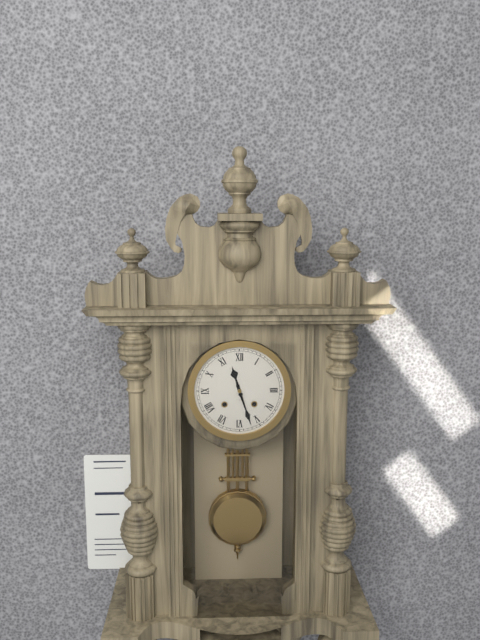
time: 11:27
